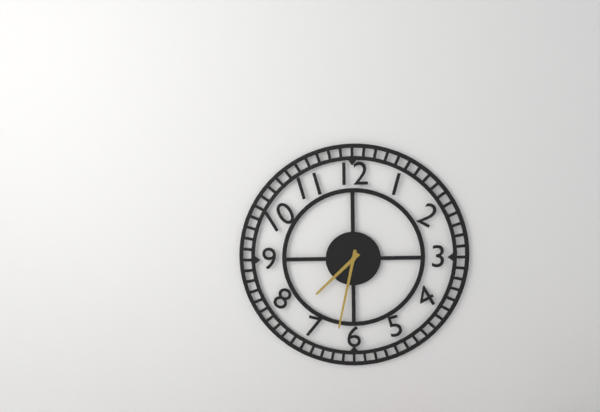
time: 7:32
